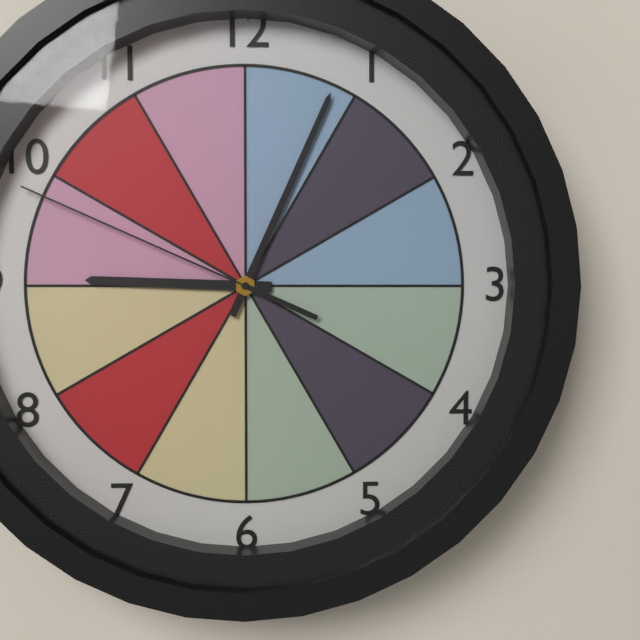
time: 9:04:49
